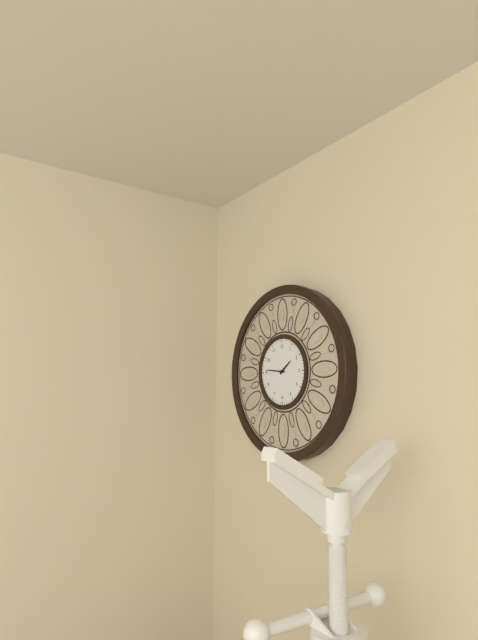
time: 1:46
